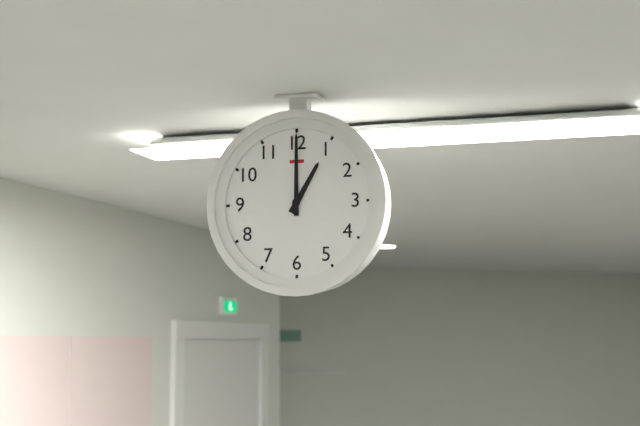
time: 1:00
